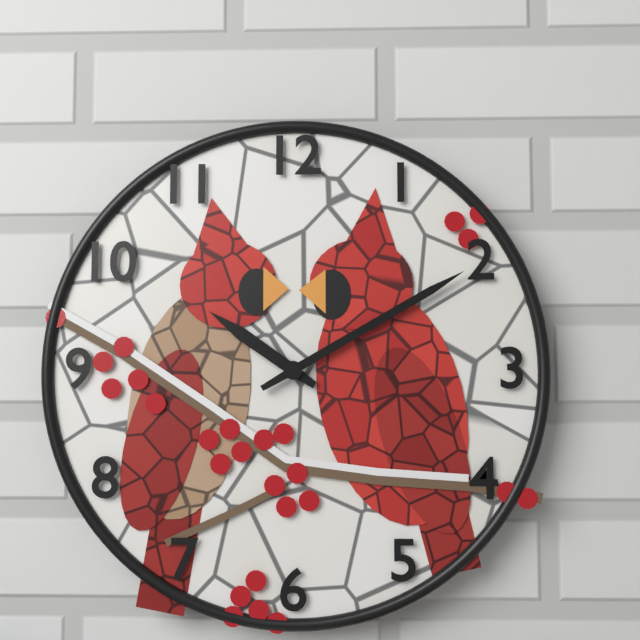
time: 10:10
